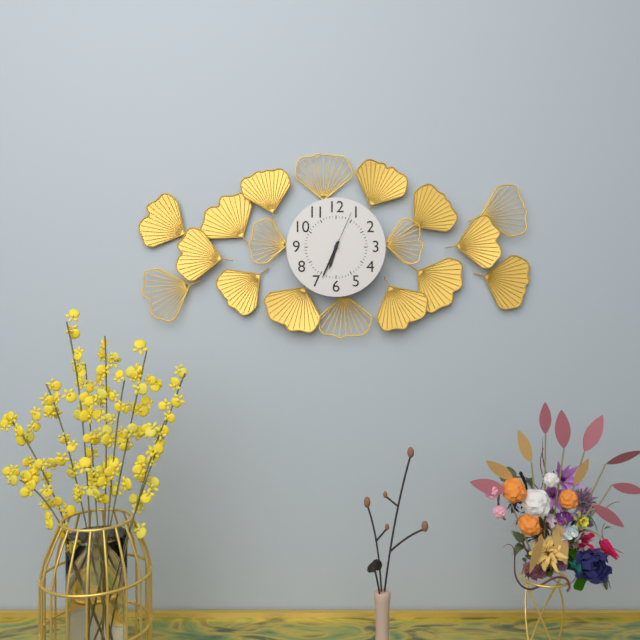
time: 6:34
